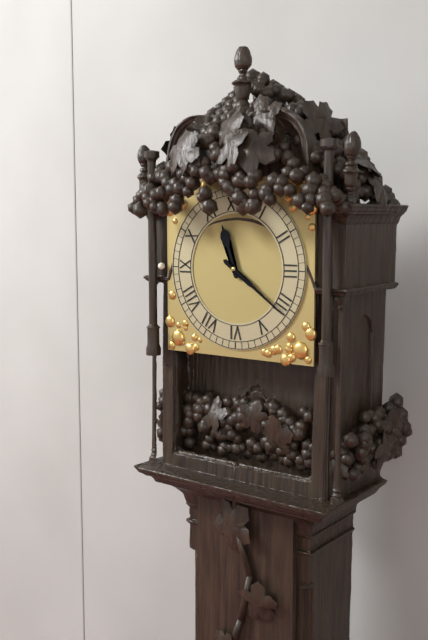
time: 11:21
